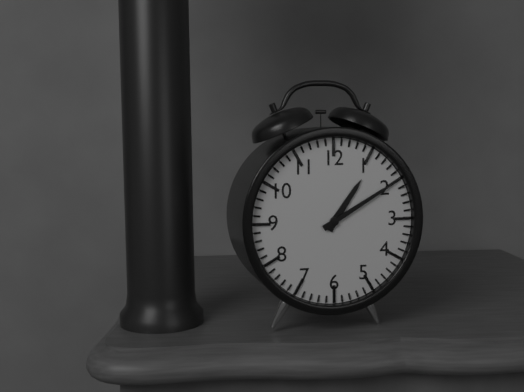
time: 1:10
